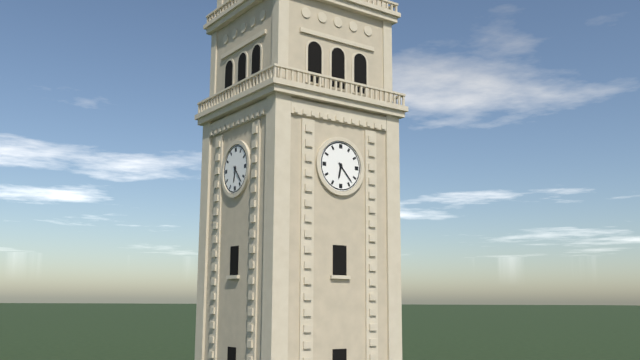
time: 6:23
